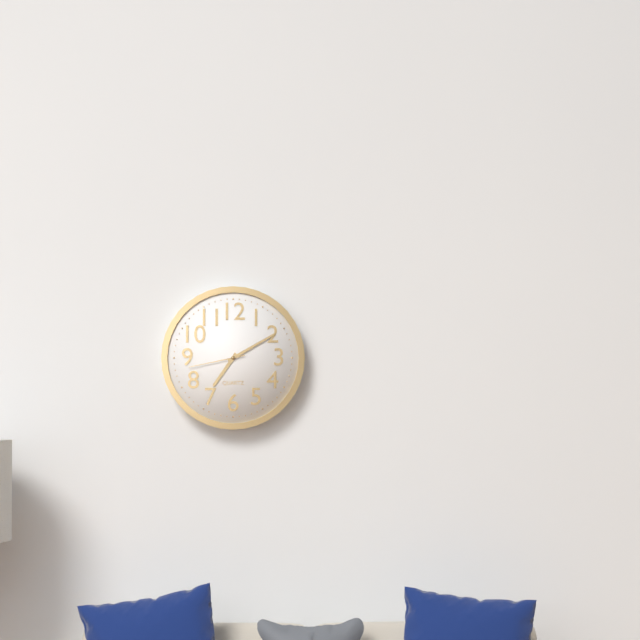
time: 7:10:43
